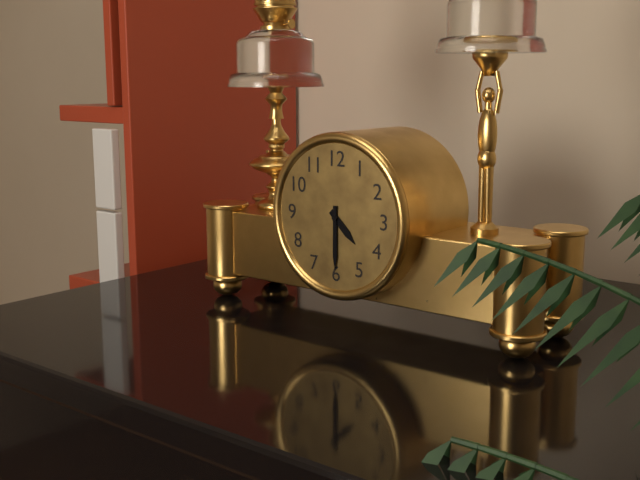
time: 4:30
